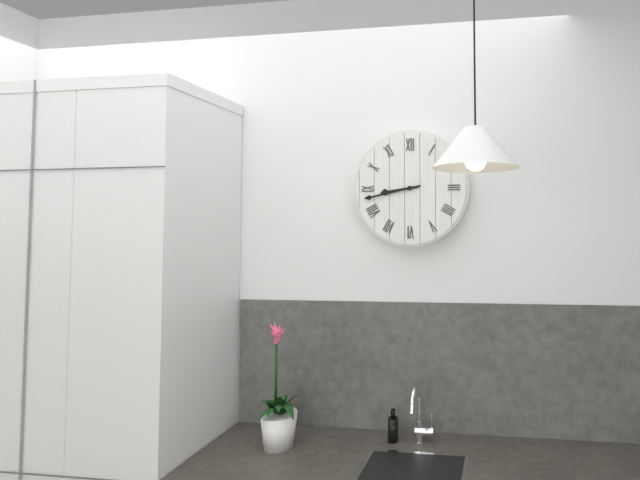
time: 8:43
